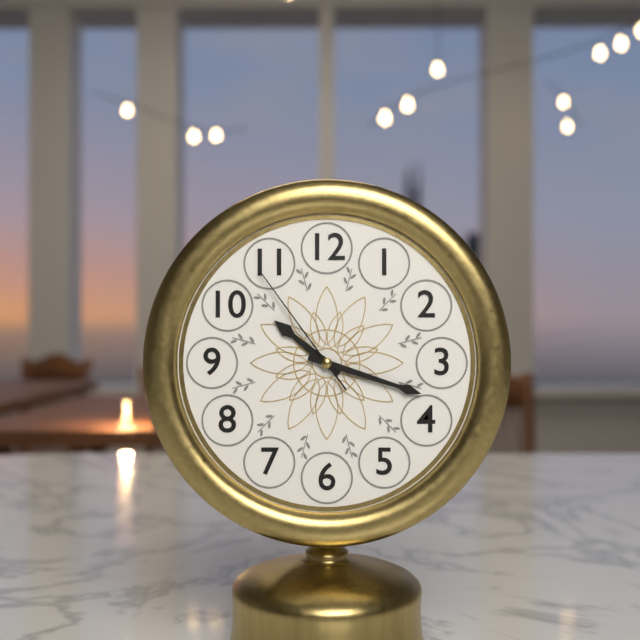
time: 10:18:54
